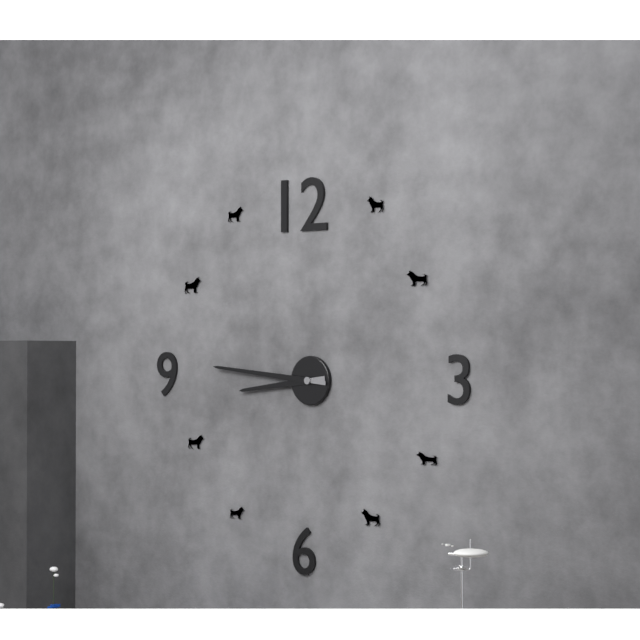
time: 8:46
